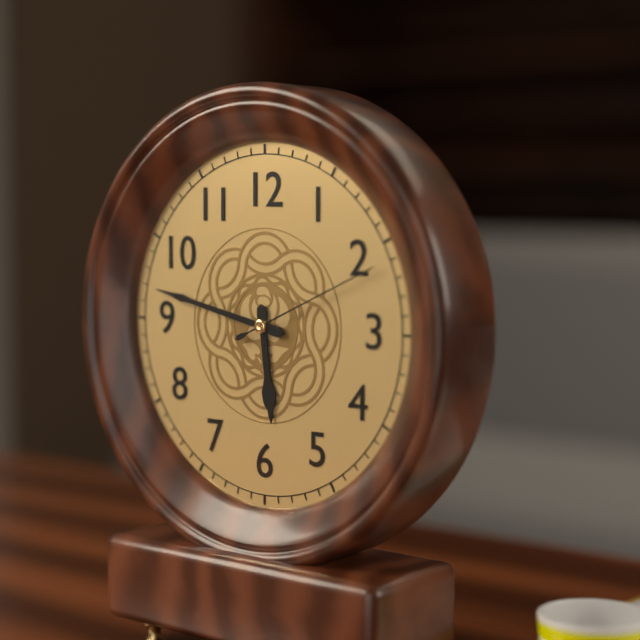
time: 5:47:11
